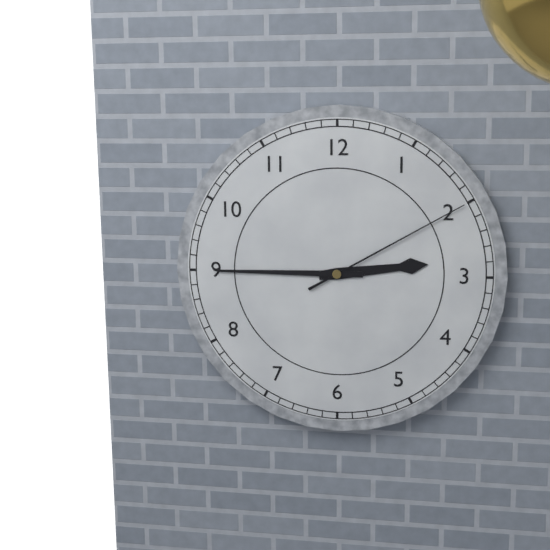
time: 2:45:10
